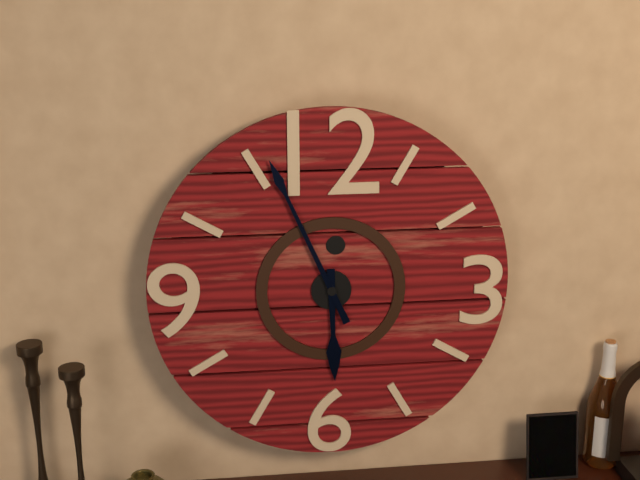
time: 5:56
